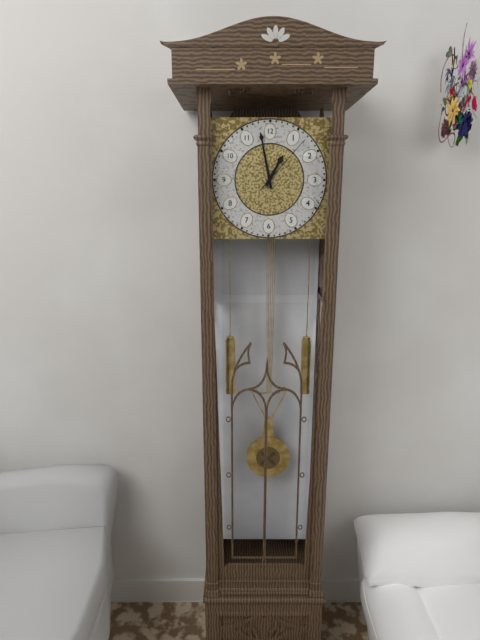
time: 12:58:07
